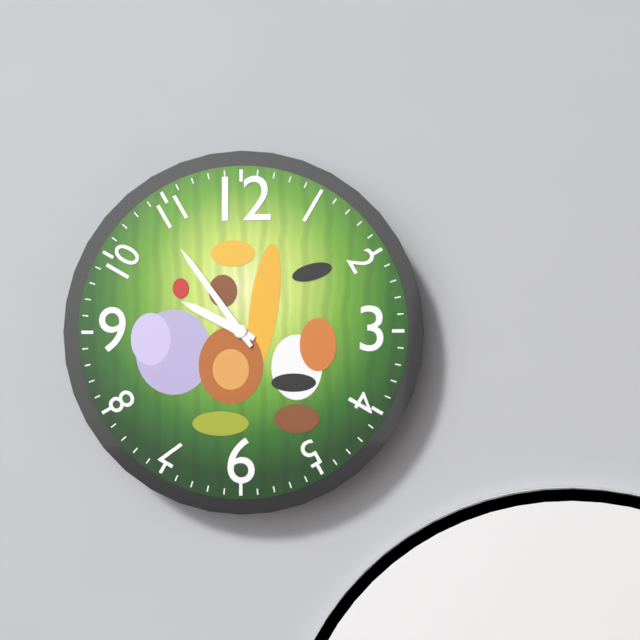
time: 9:54
